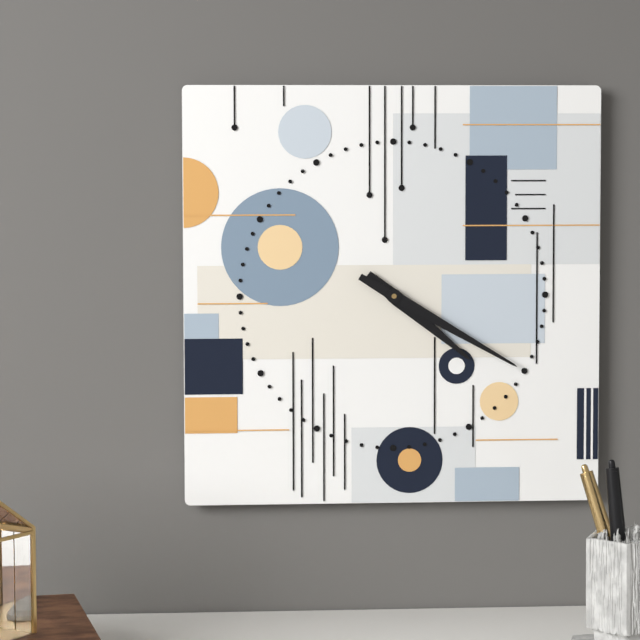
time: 4:20
